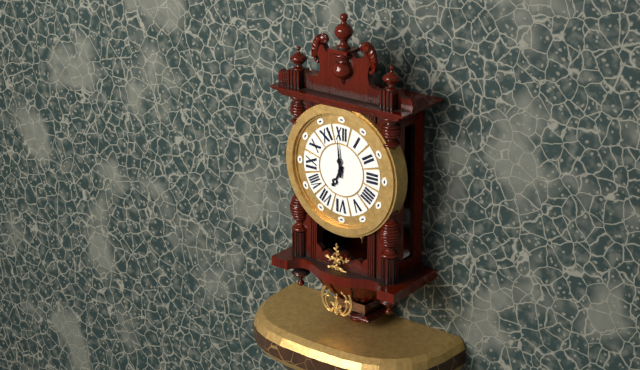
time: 6:59
